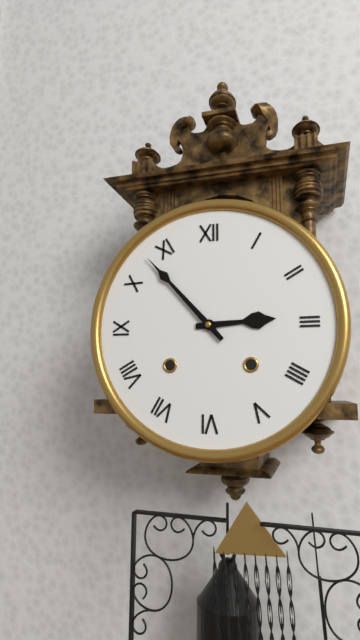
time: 2:53
